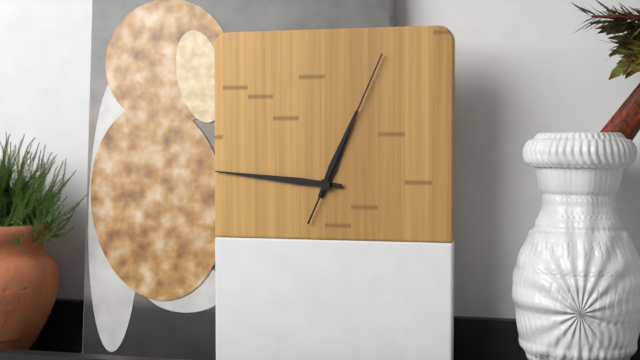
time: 12:46:04
